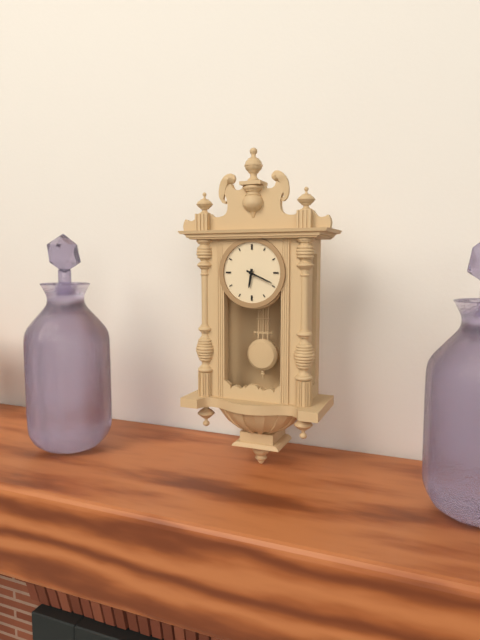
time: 6:19
